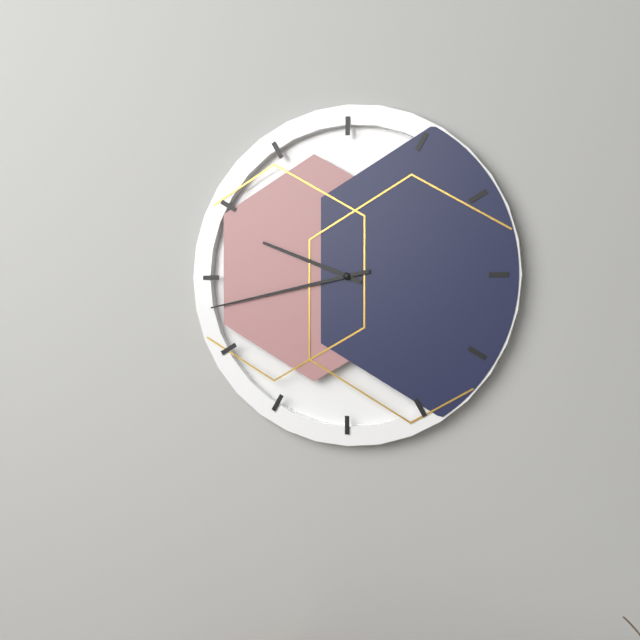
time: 9:43
